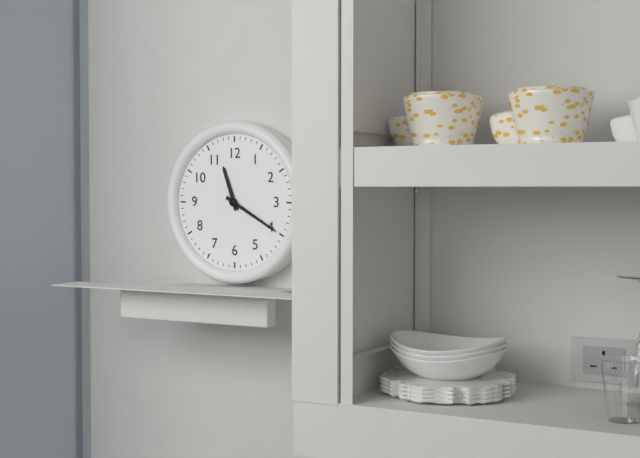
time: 11:20
